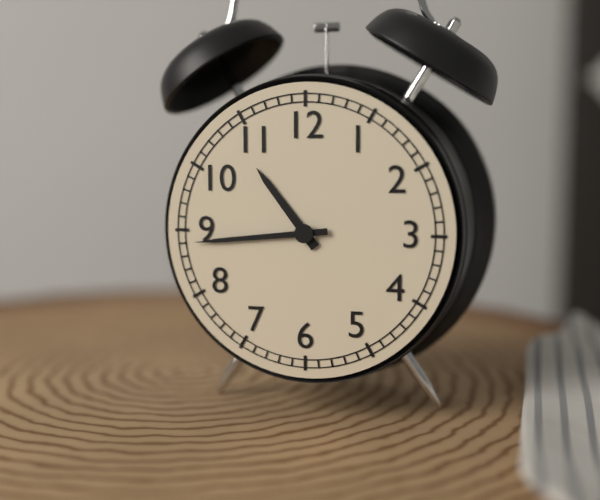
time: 10:44
